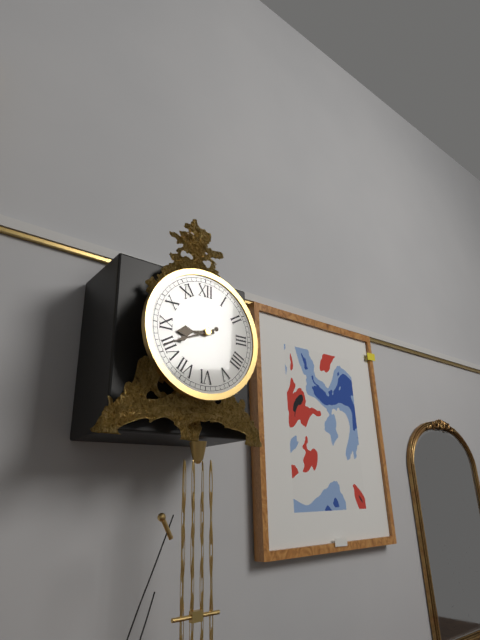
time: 8:41
